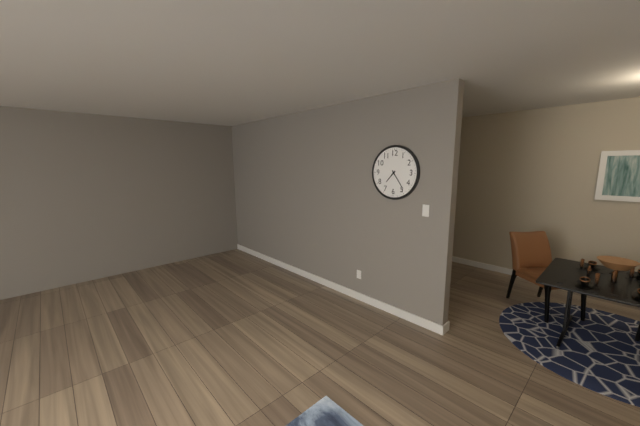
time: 7:24
